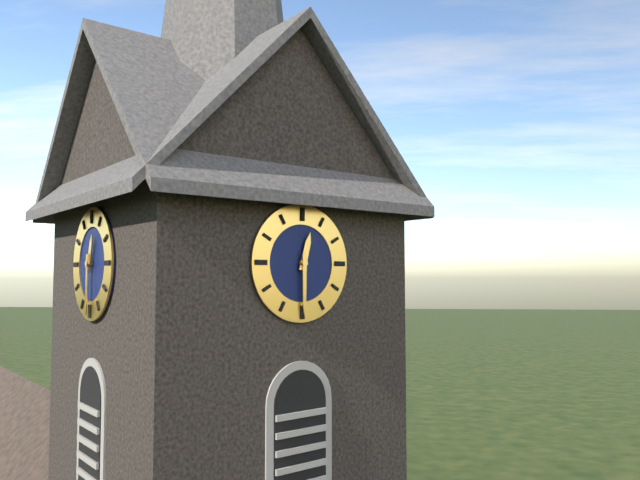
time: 12:30
